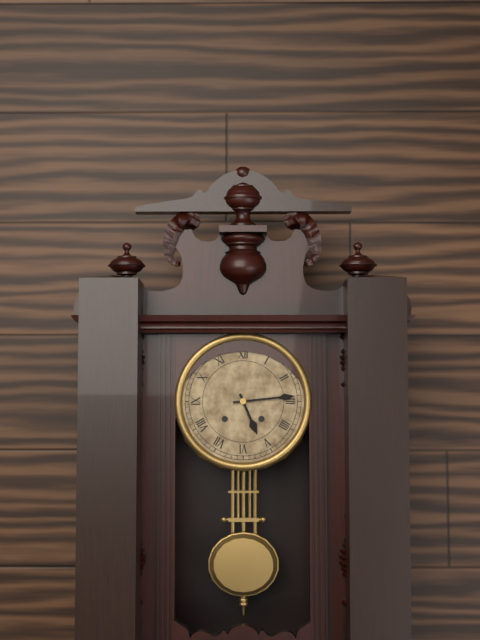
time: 5:14
